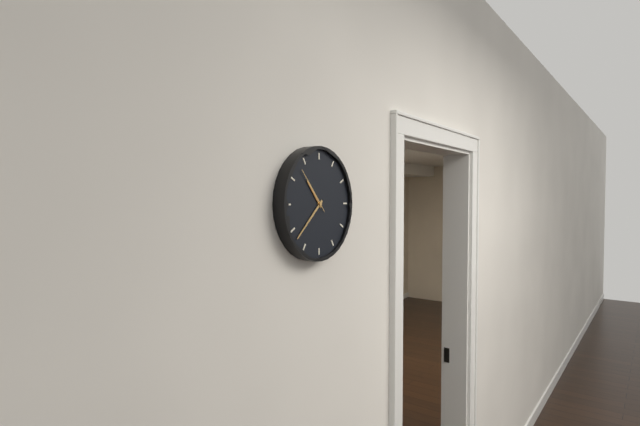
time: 10:38
